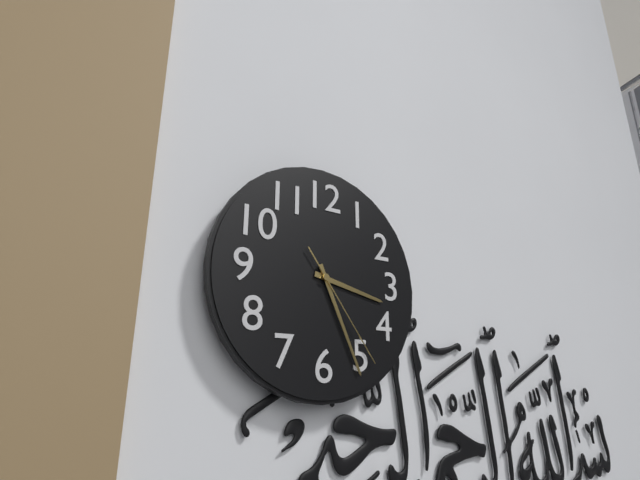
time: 3:26:24
